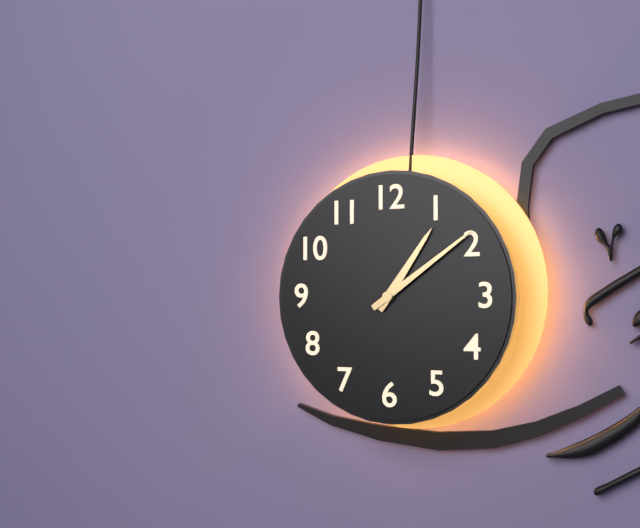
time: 1:09
